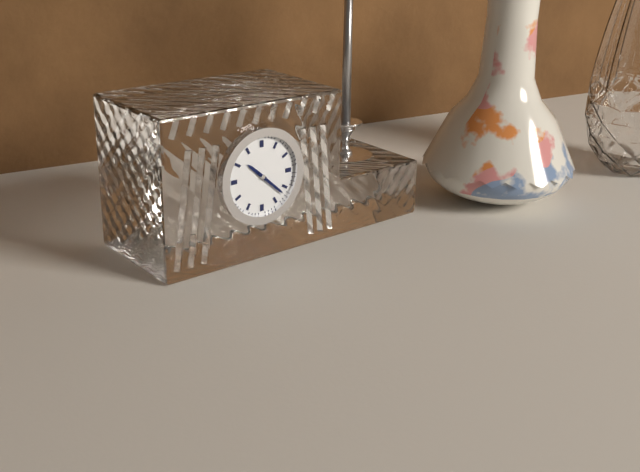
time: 10:22
